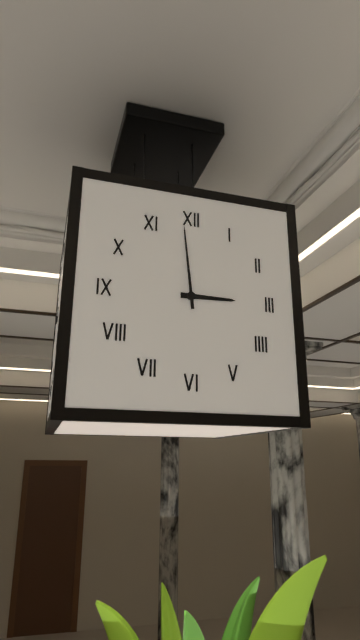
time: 2:59
